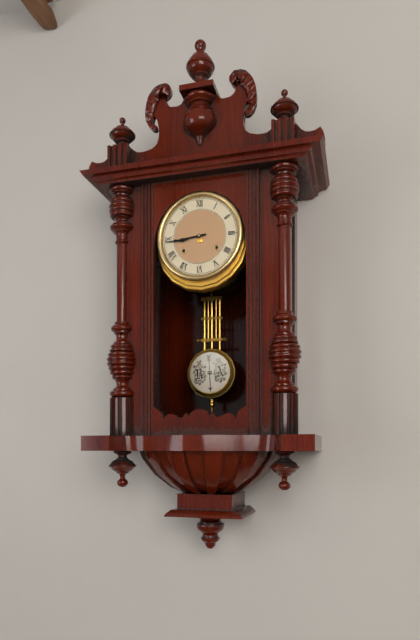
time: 8:44
